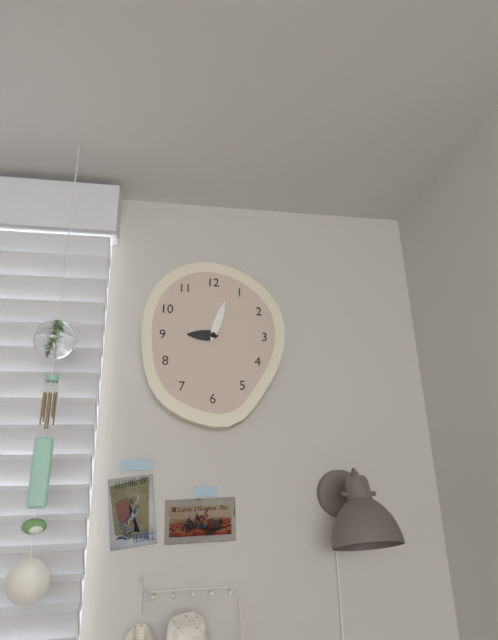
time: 9:03
